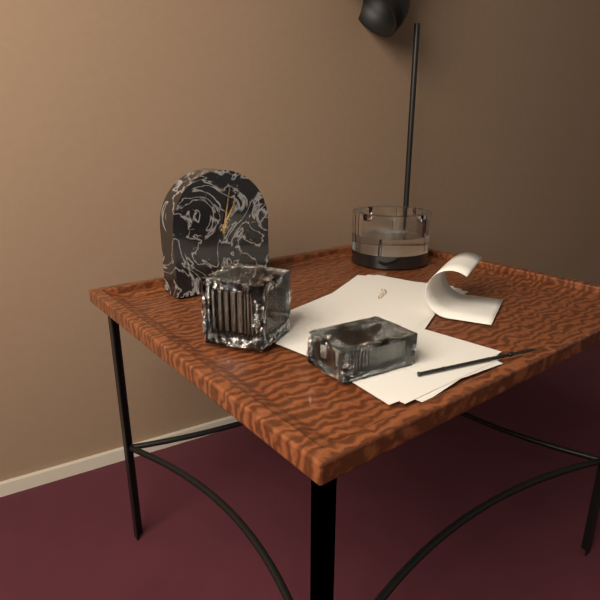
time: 1:02
